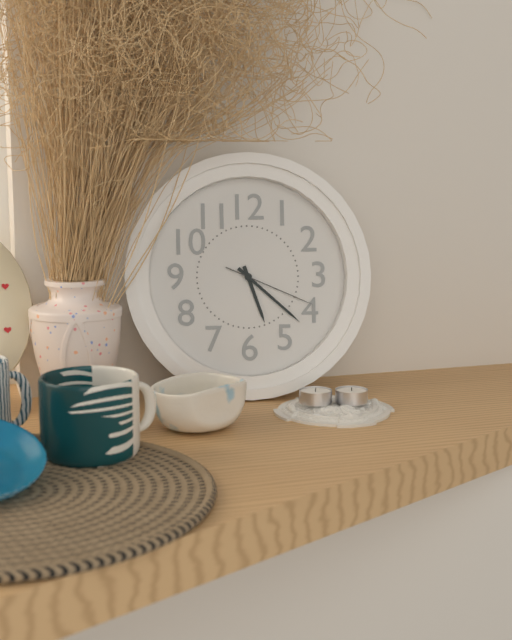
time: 5:22:19
